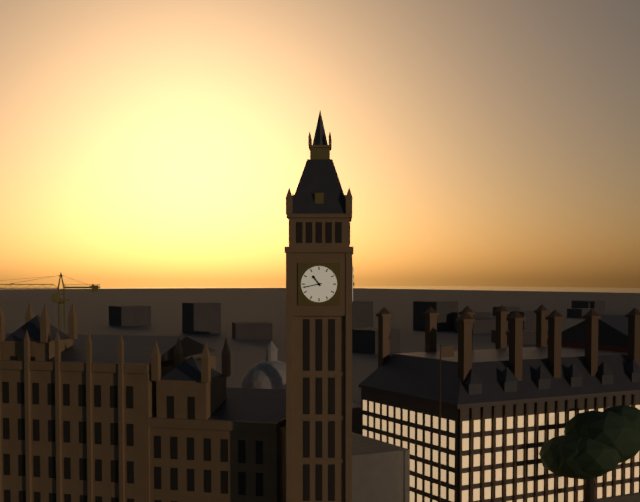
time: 10:43
